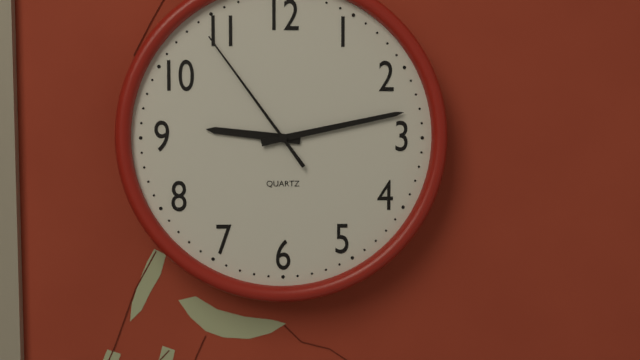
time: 9:13:54
